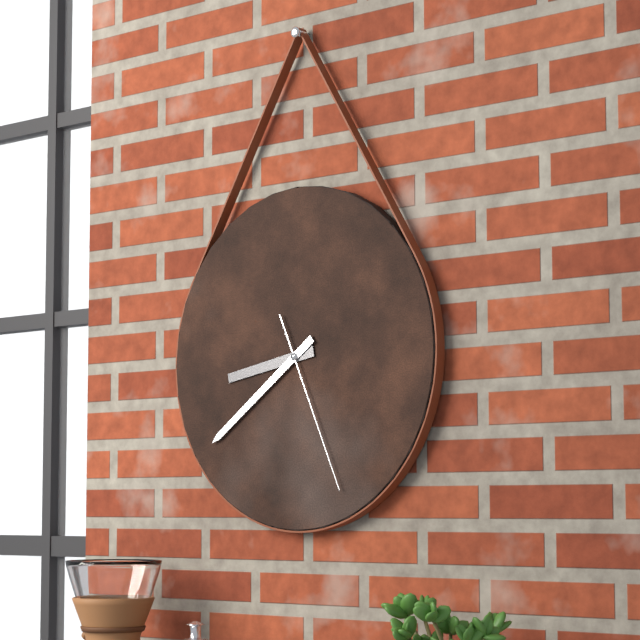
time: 8:39:26
